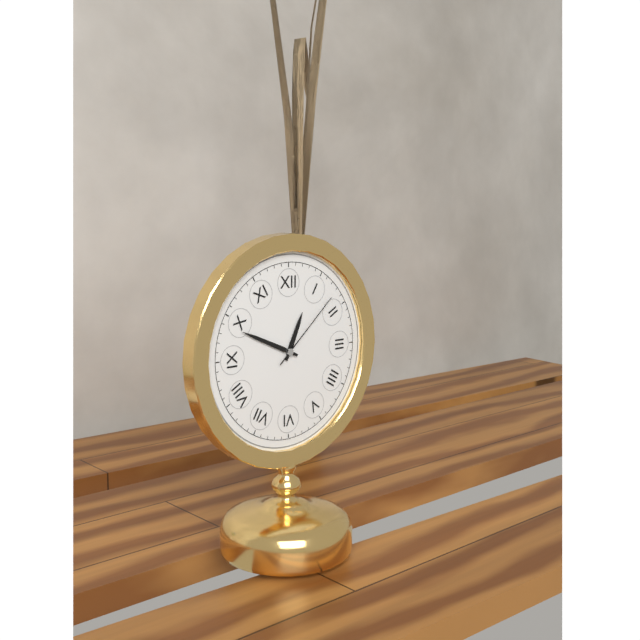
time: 12:49:08
